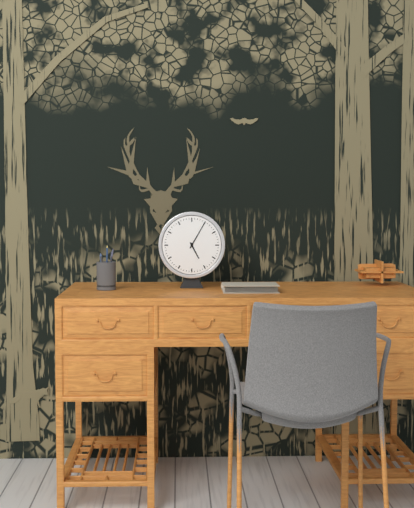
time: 5:05
